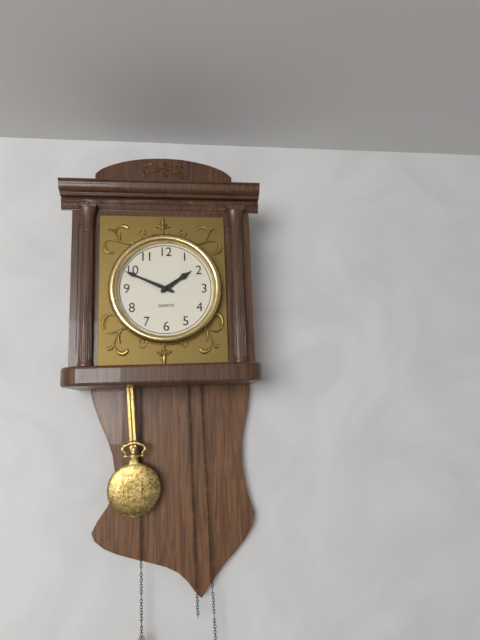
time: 1:49
